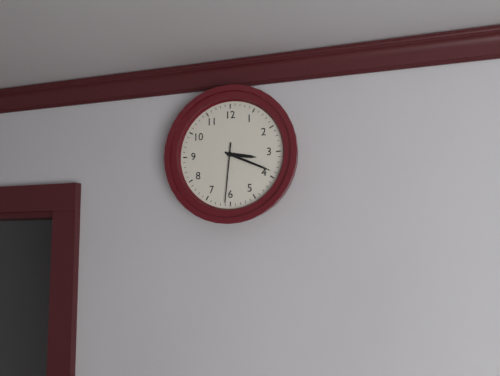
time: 3:19:31
